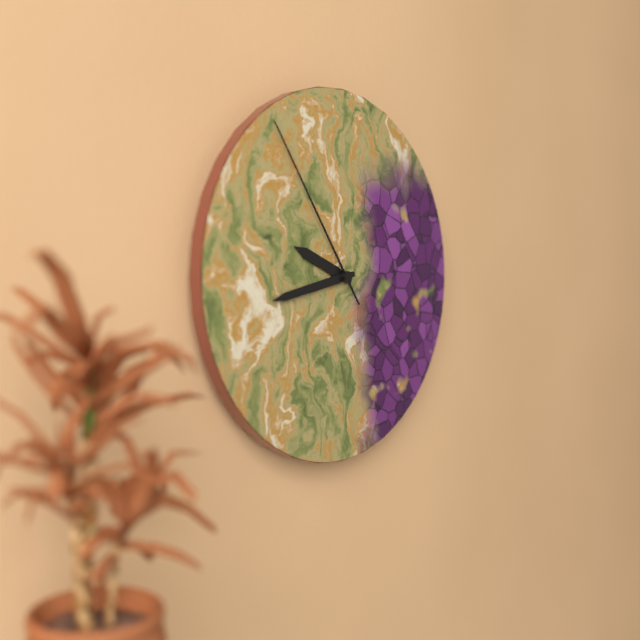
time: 9:43:54
